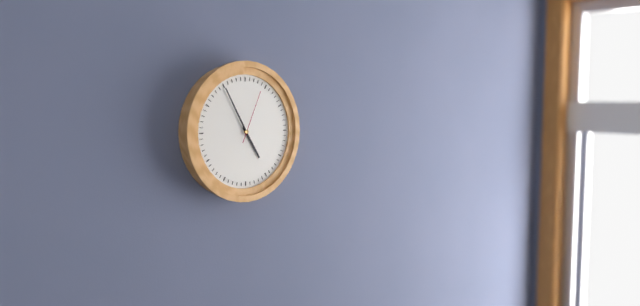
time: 4:55:04
